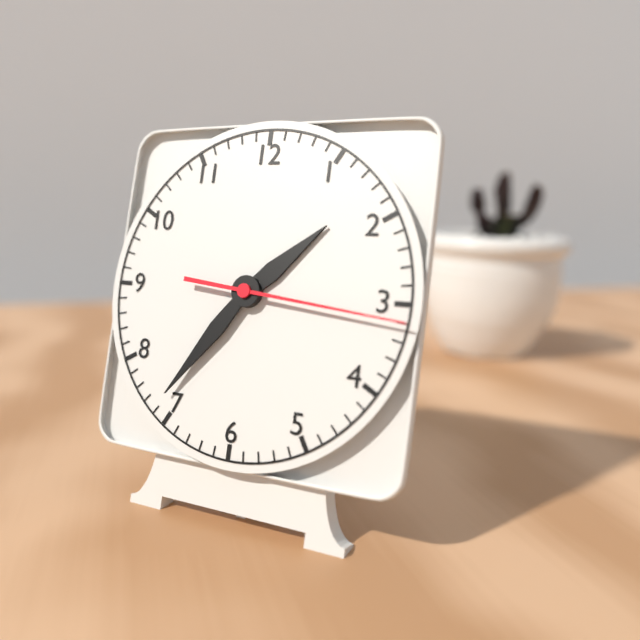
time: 1:36:16
